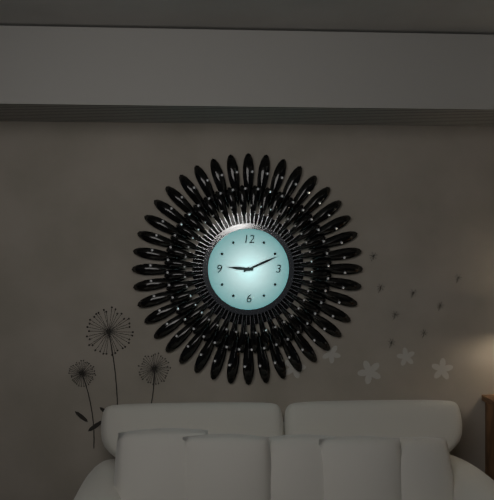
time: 9:11
